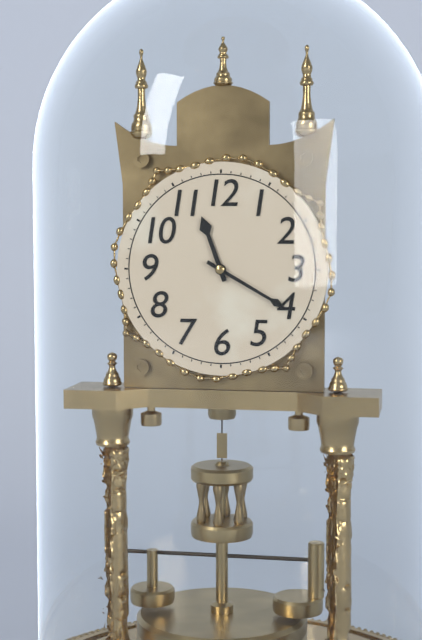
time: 11:20
